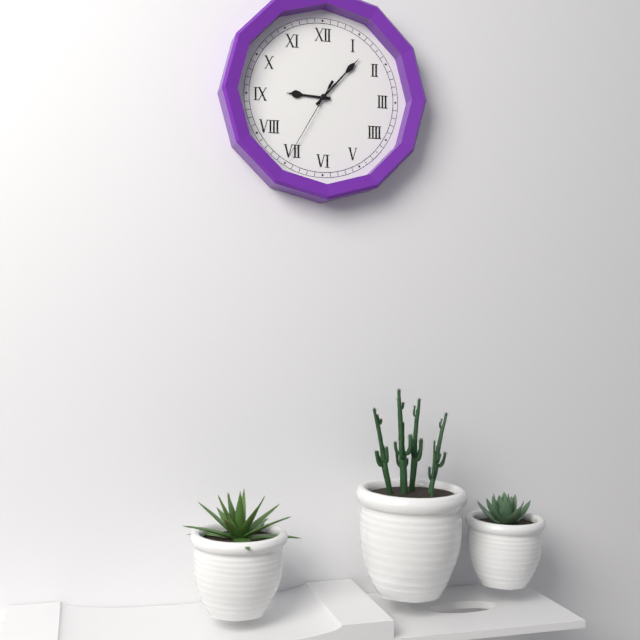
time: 9:07:35
